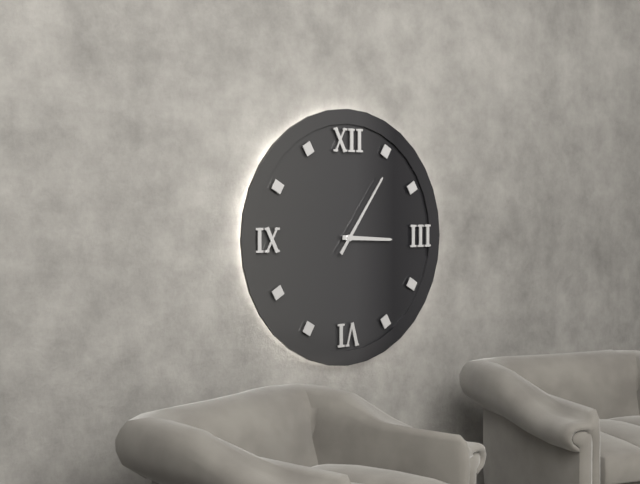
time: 3:06
